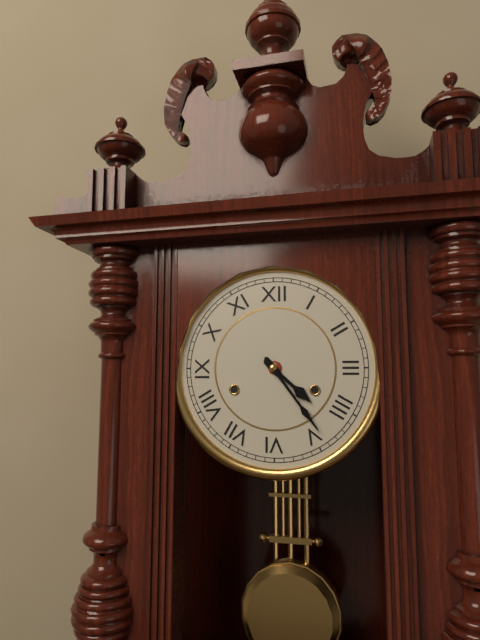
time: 4:24
